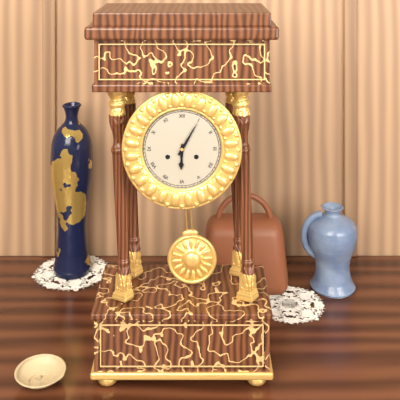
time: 6:05
